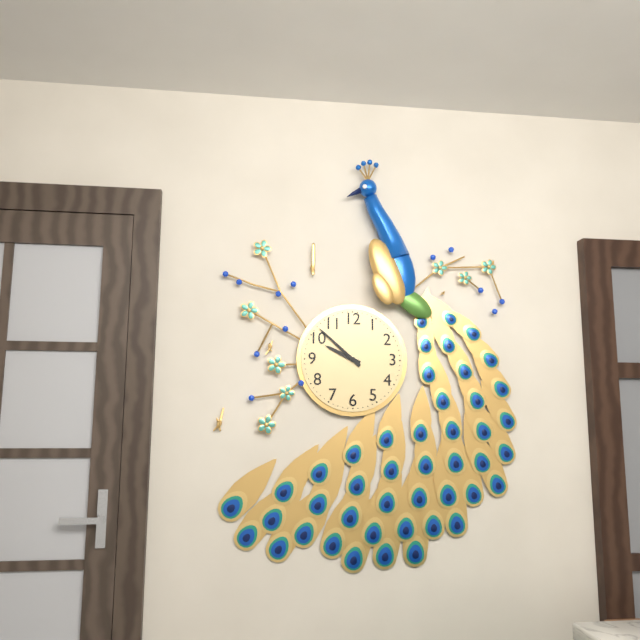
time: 9:52
